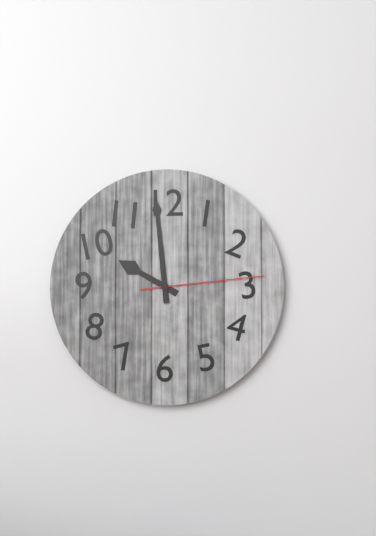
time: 9:59:14
